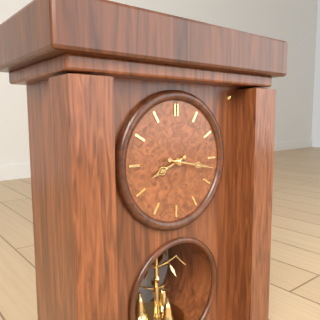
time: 8:17
